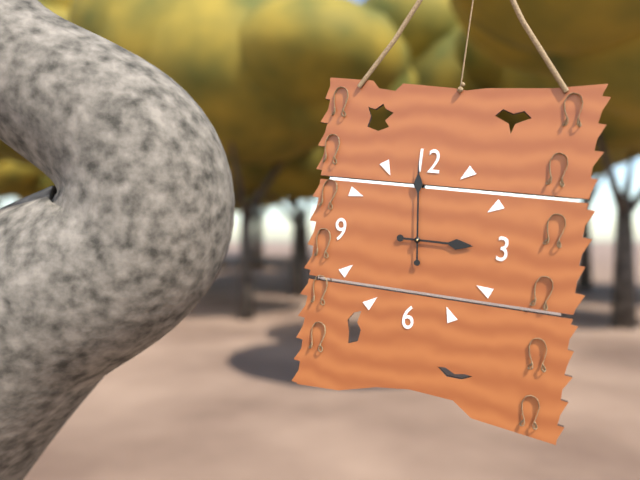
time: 2:59
